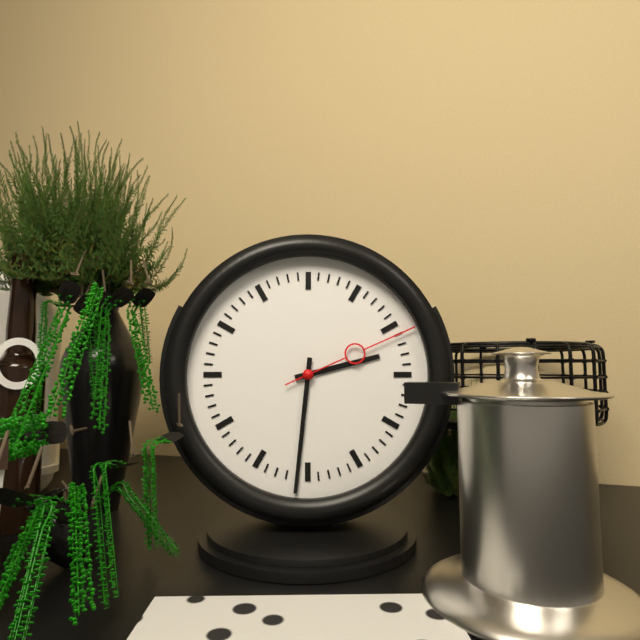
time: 2:31:11
